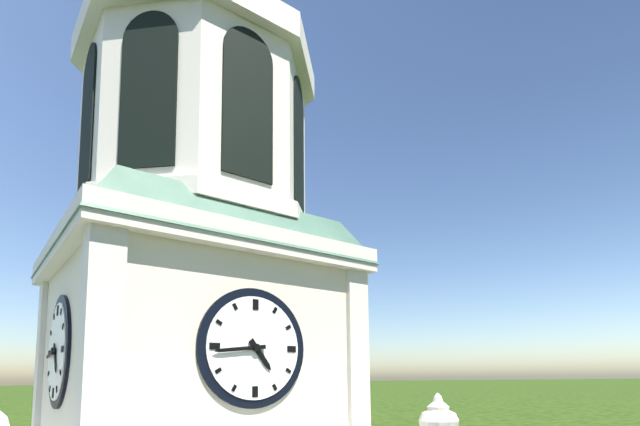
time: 4:44
